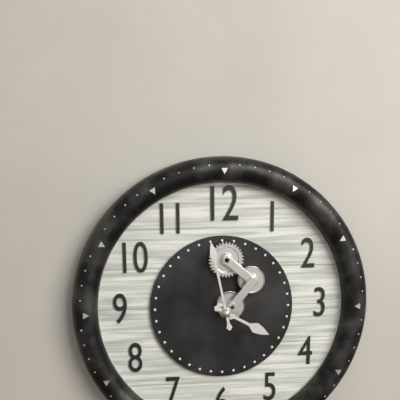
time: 3:58
